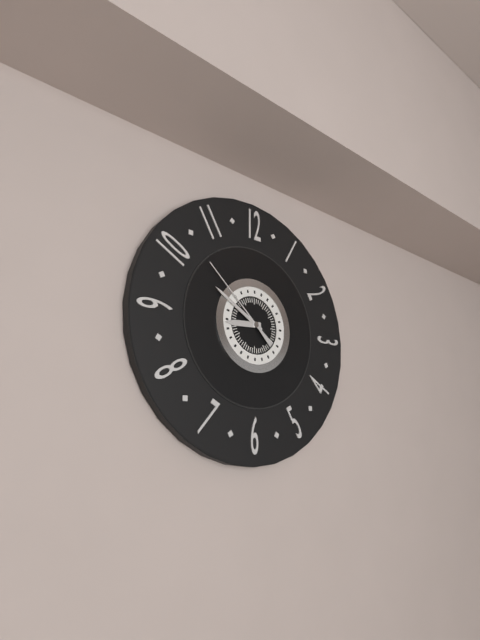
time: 8:50:52
